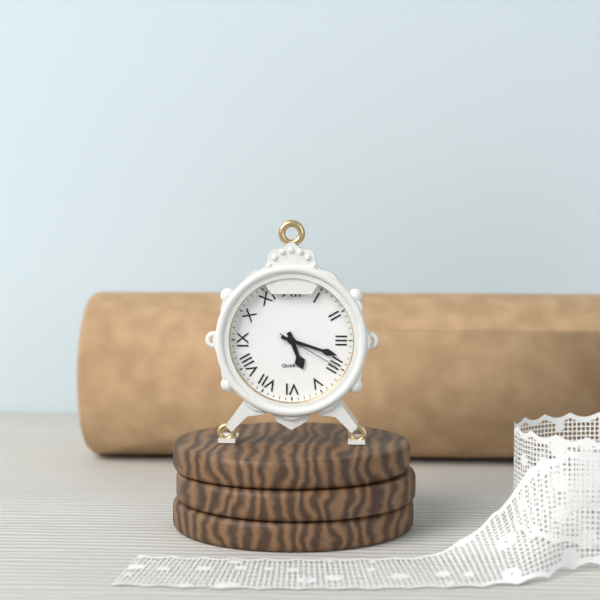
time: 5:18:20
